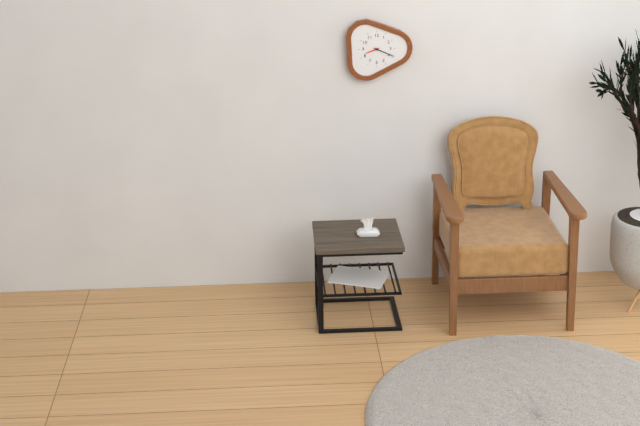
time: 8:19
